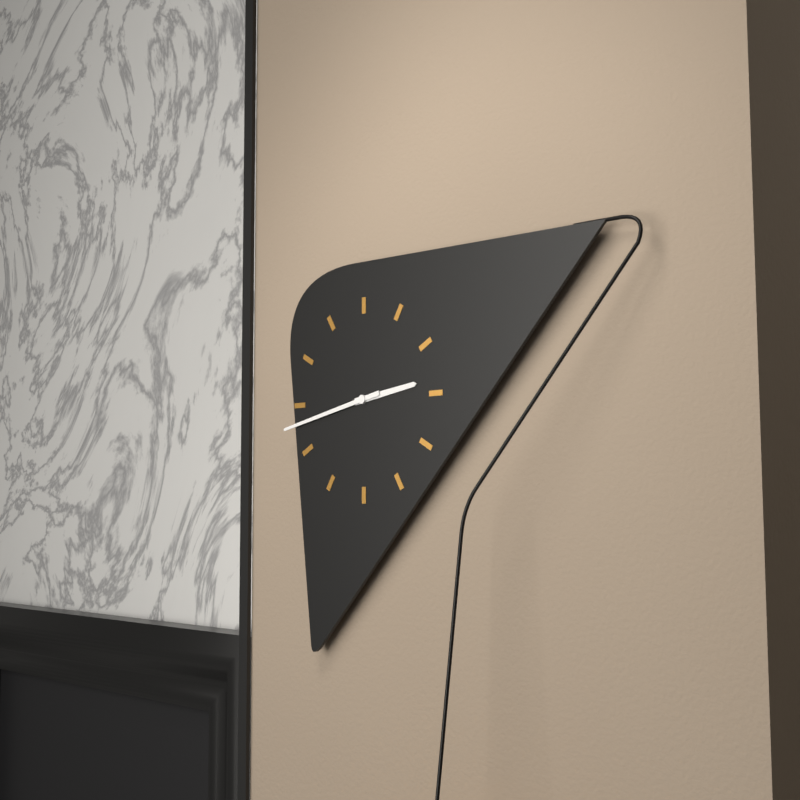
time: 2:43
